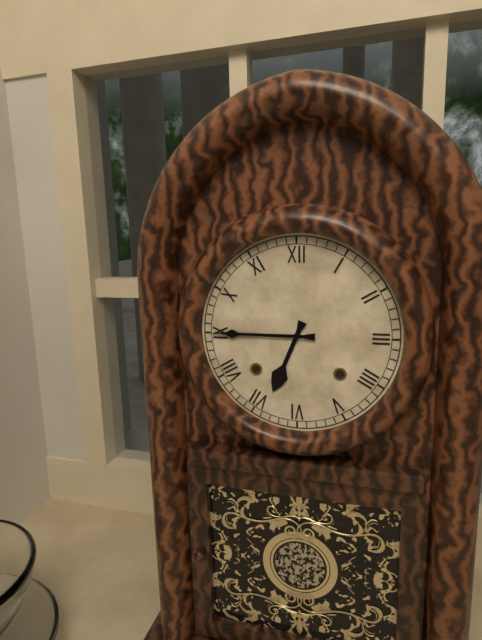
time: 6:45
